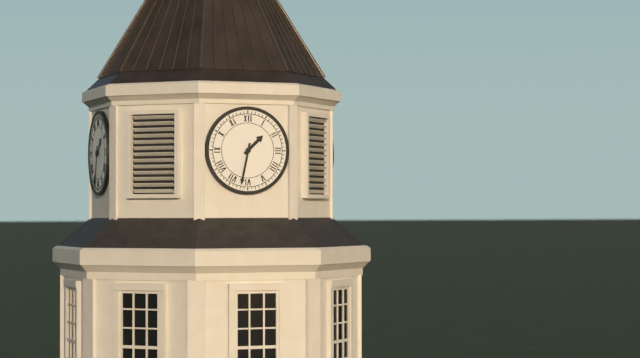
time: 1:32
